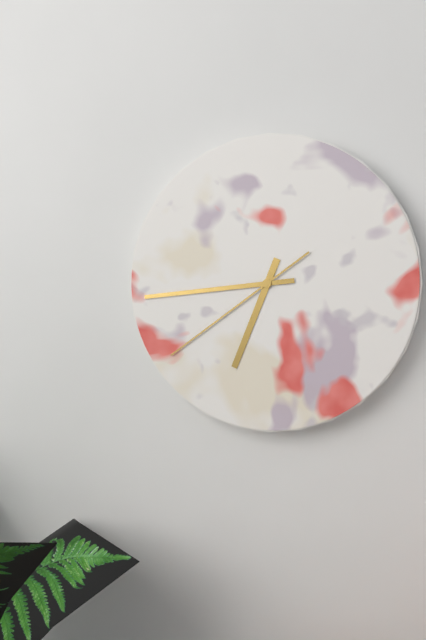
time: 6:44:39
